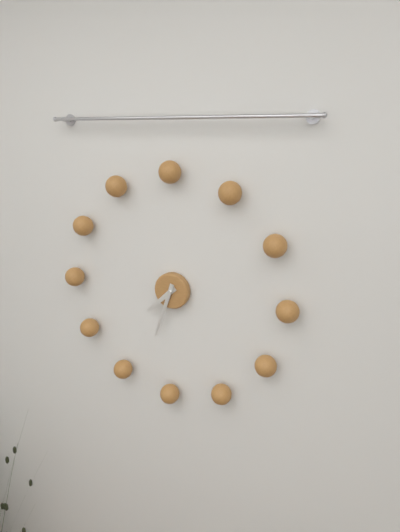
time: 7:33
